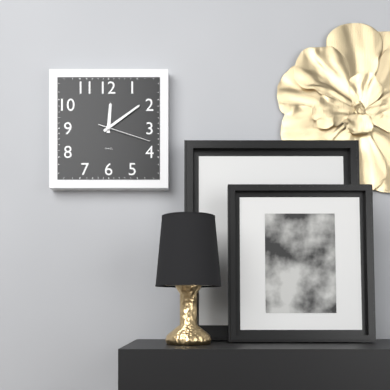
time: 12:09:18
